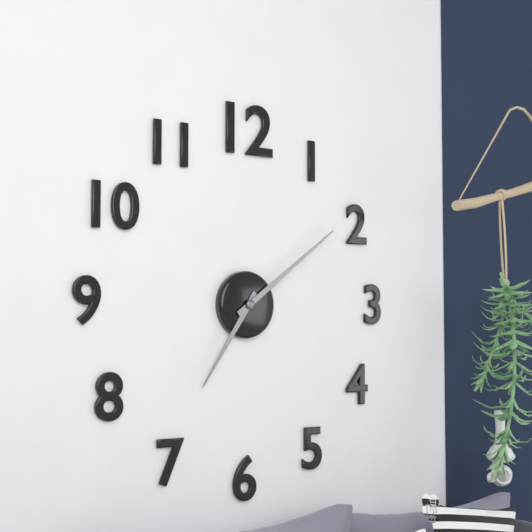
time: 7:09
